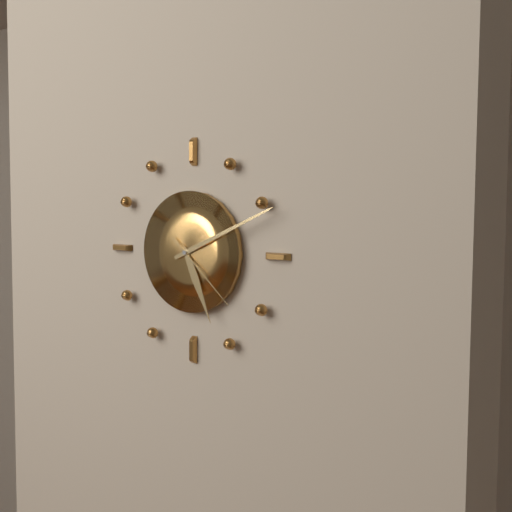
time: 5:11:22
